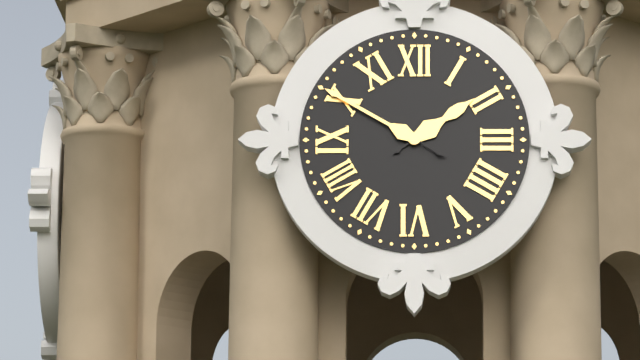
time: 1:50
